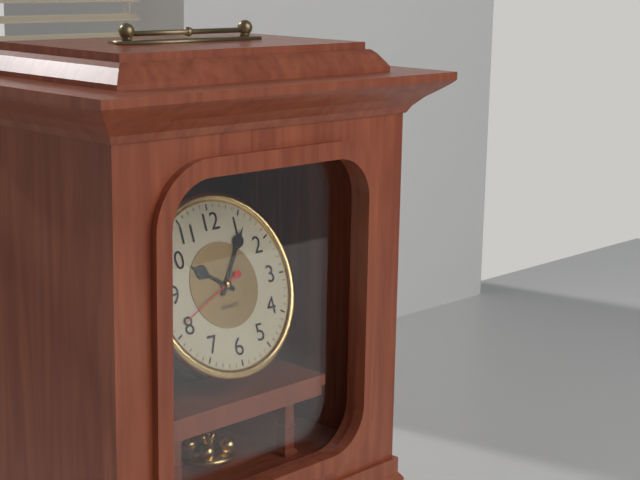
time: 10:06:41
